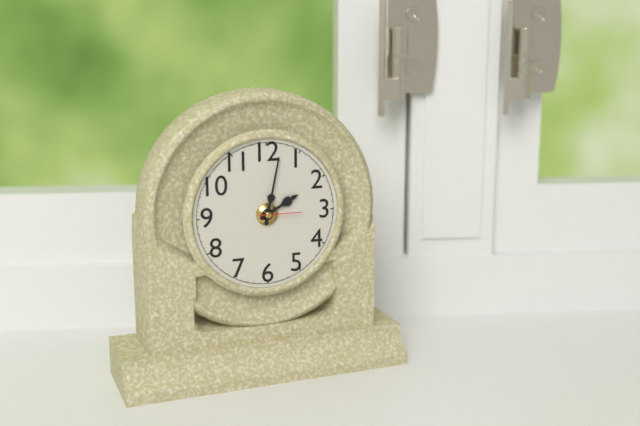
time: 2:02
